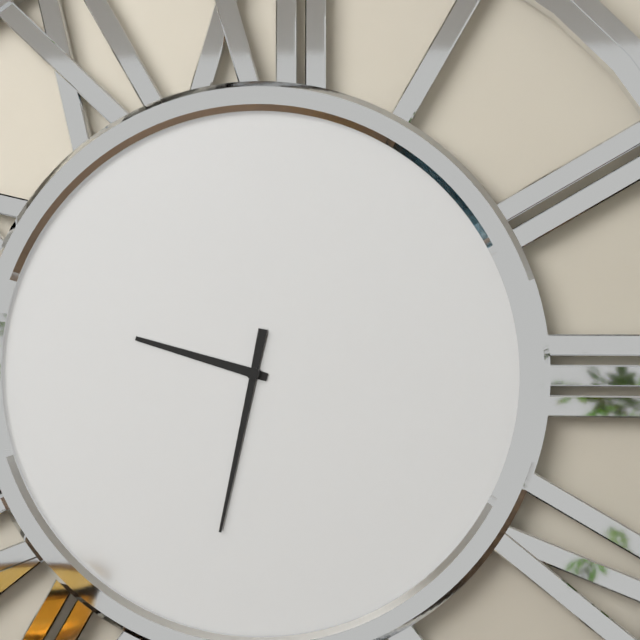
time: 9:32
